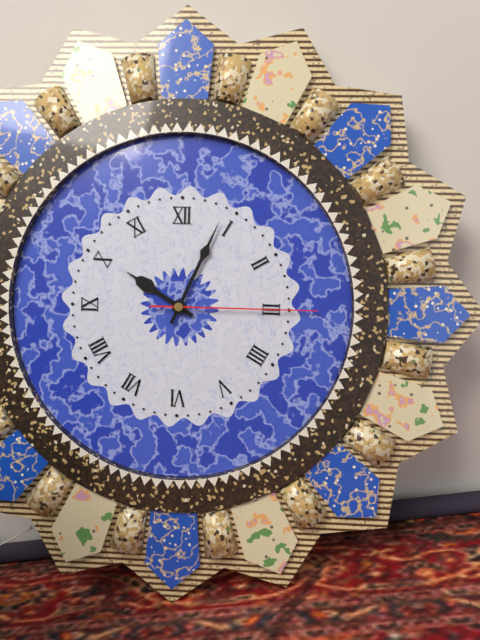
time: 10:04:15
